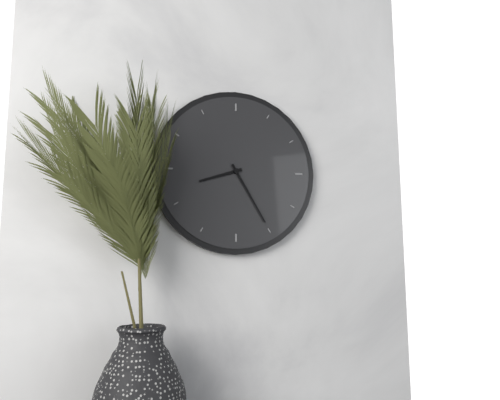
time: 8:25
